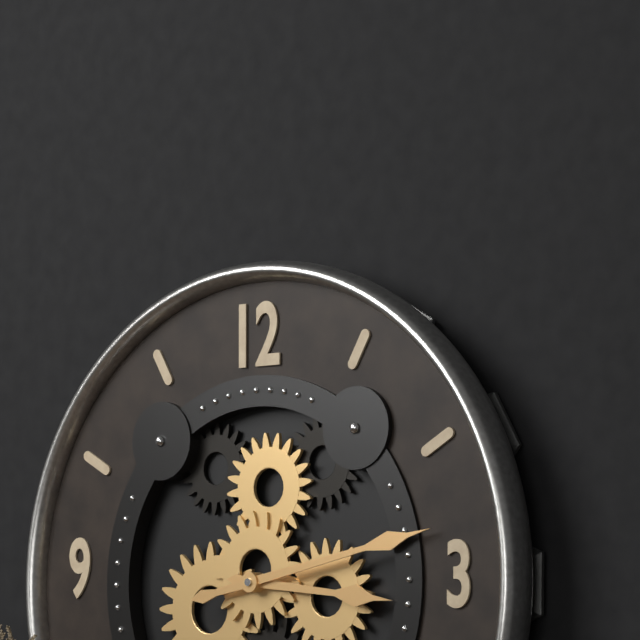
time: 3:13
